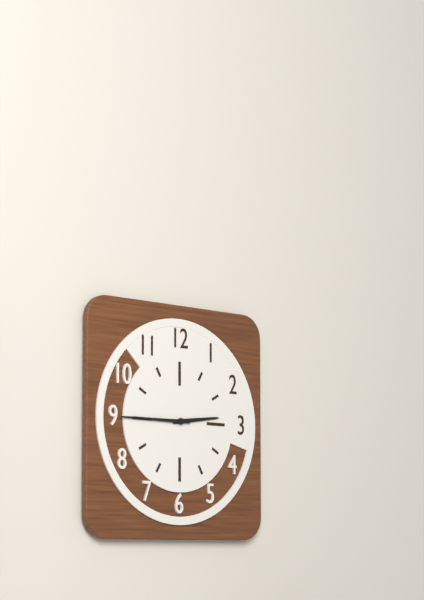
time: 2:45
